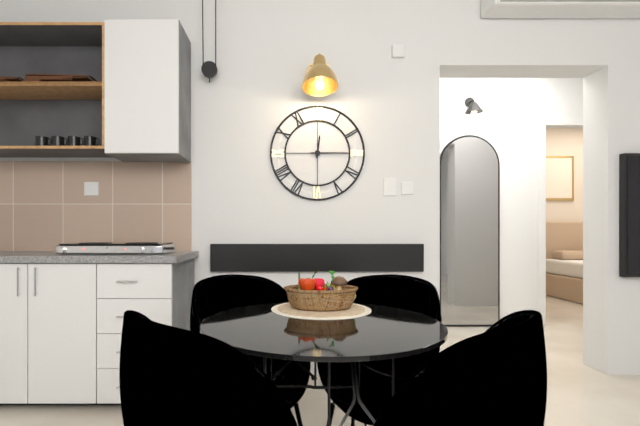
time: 12:15
